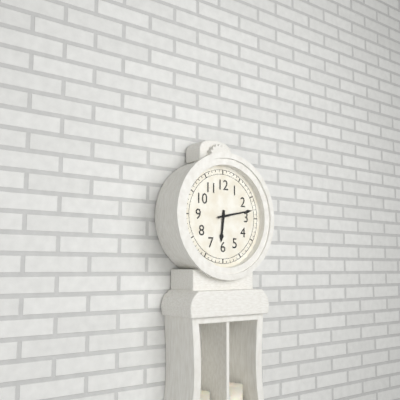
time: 6:13
